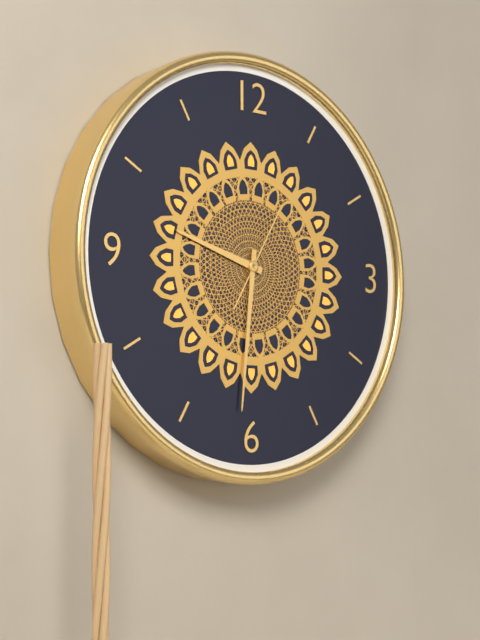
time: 9:31:05
